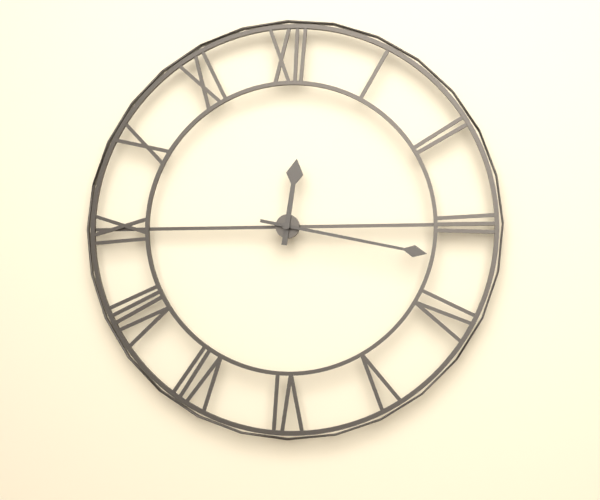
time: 12:17
